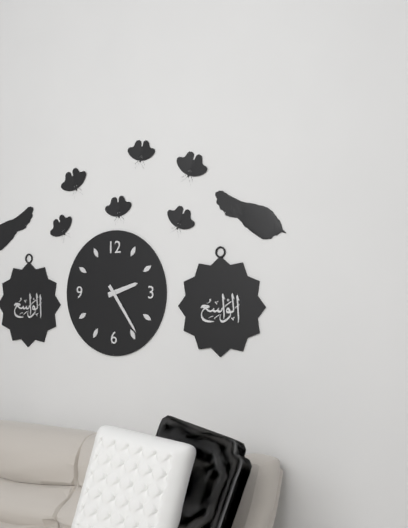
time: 2:24
